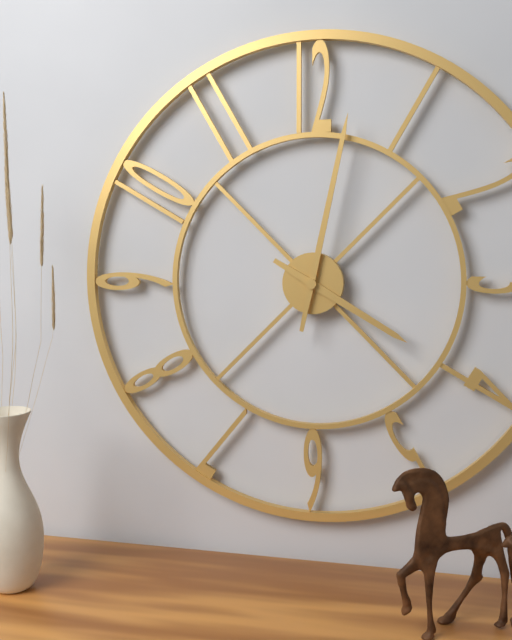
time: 4:02
